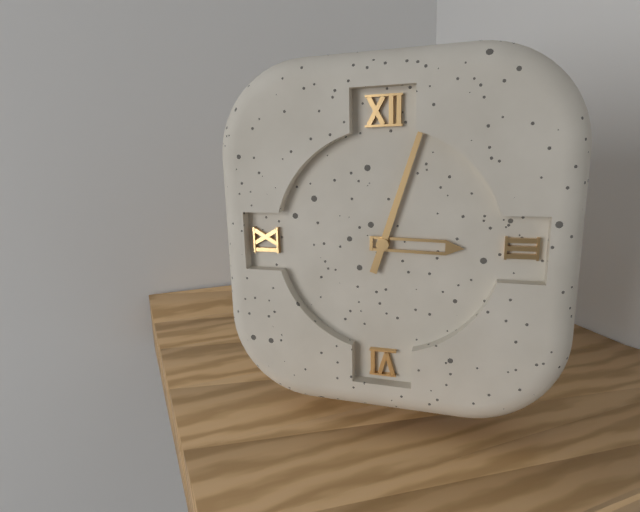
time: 3:03
